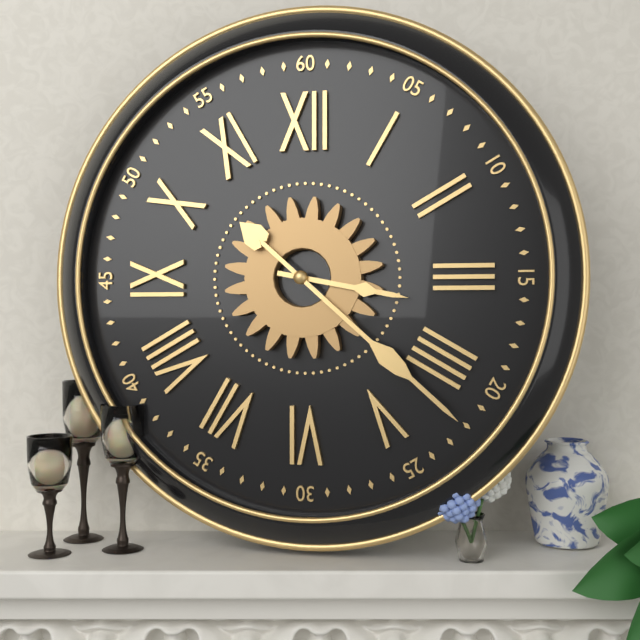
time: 3:22
